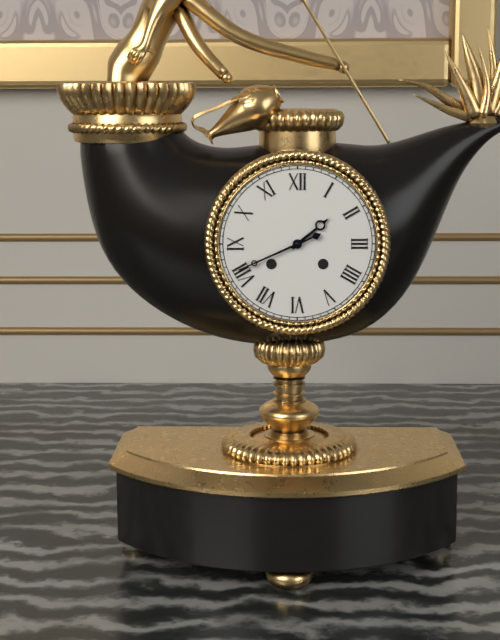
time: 1:41
